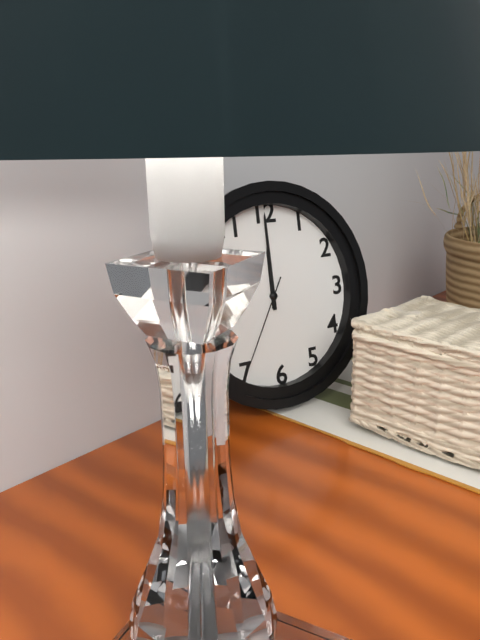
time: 12:00:35
